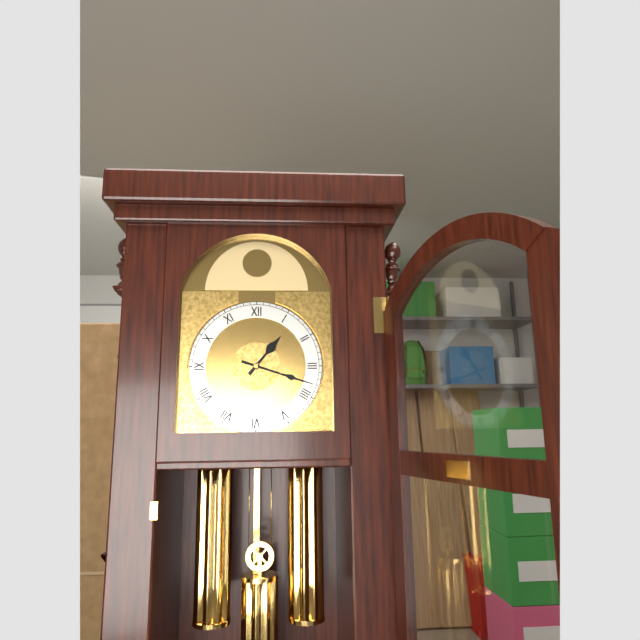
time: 1:18
